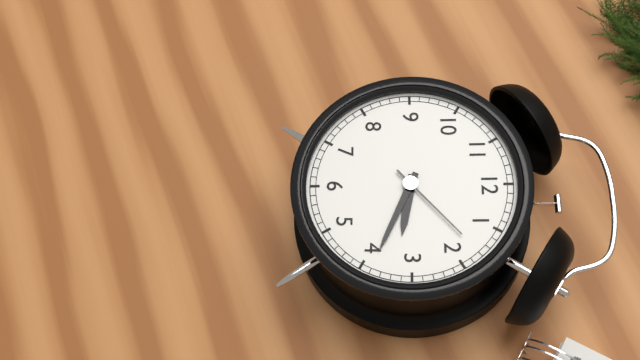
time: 3:19:08
